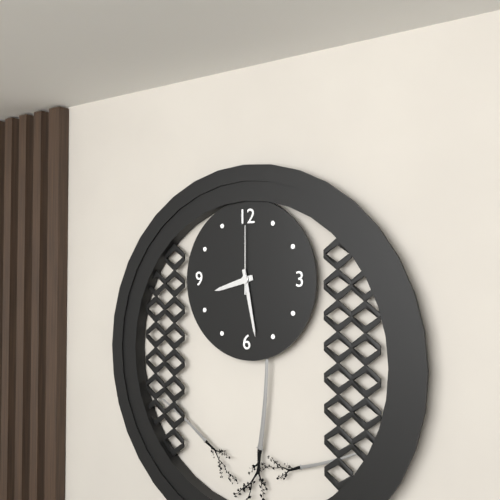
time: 8:28:00
